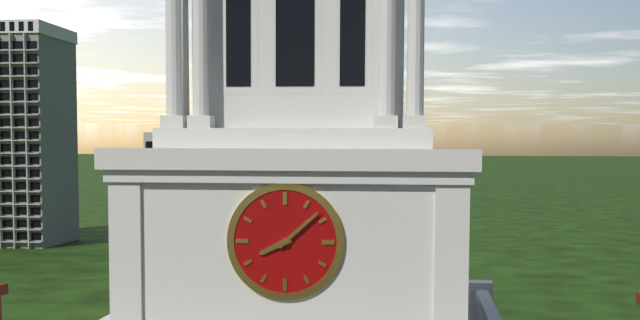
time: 8:08
